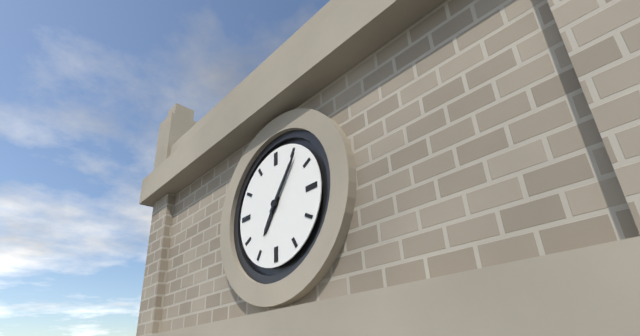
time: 7:06
